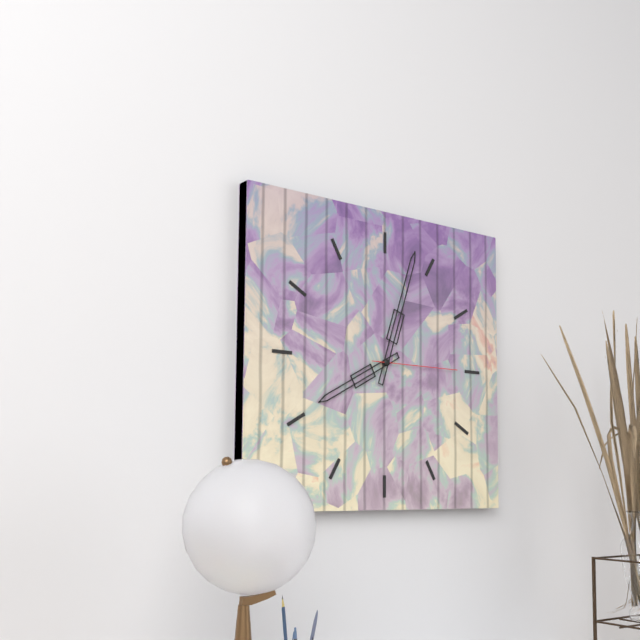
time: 8:03:15
